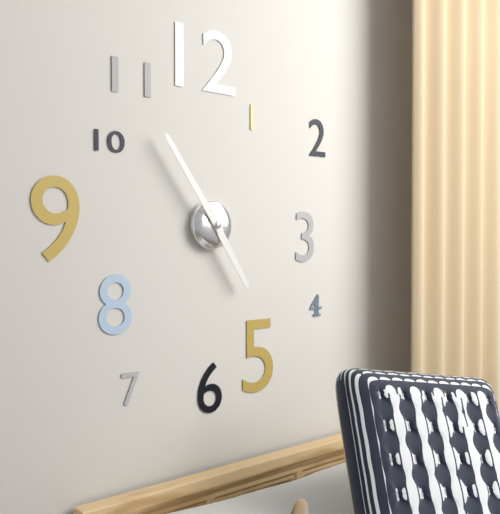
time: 4:54
